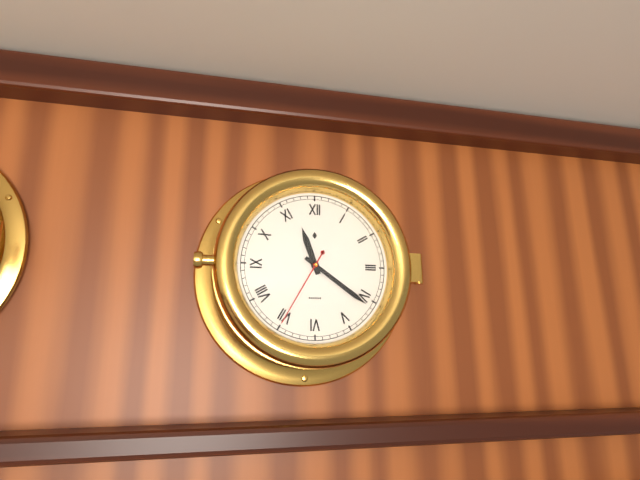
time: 11:21:35
